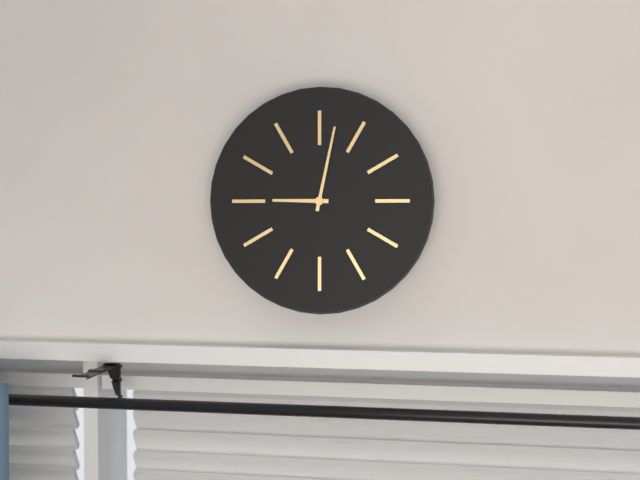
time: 9:02
